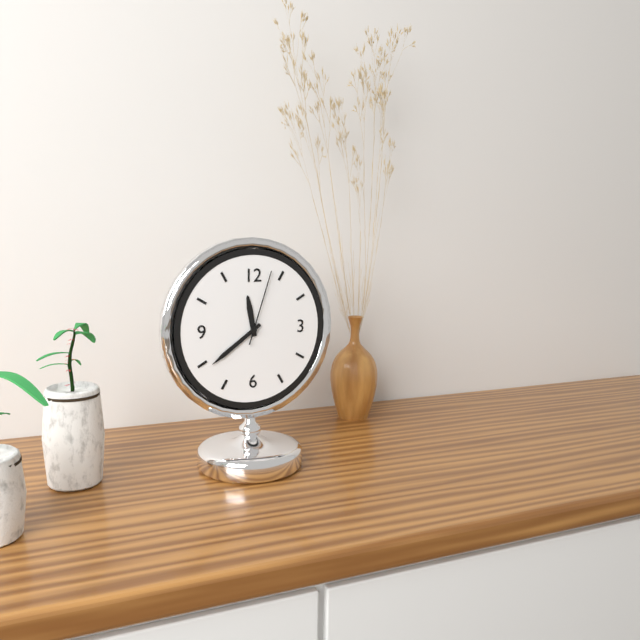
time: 11:39:03
